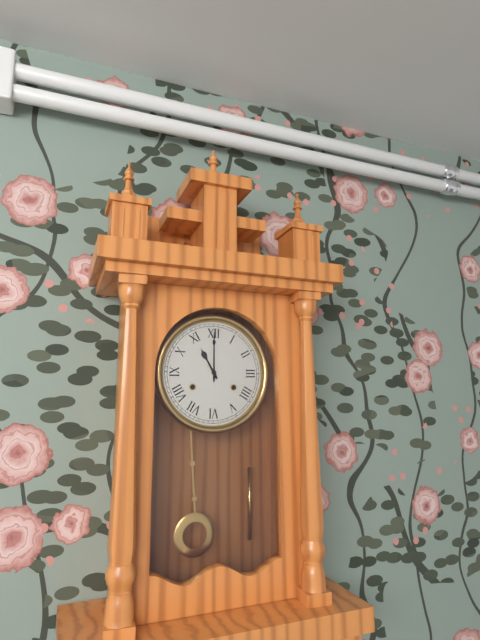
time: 11:00
